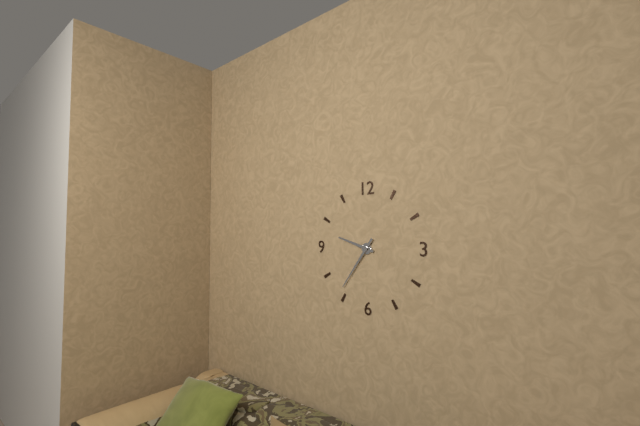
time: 9:36
